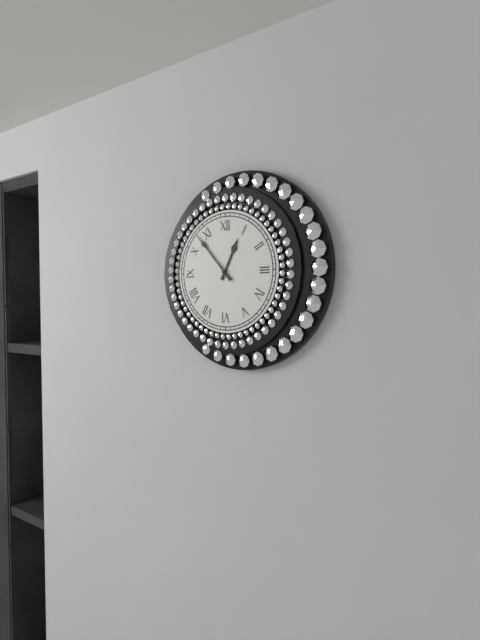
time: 12:53
